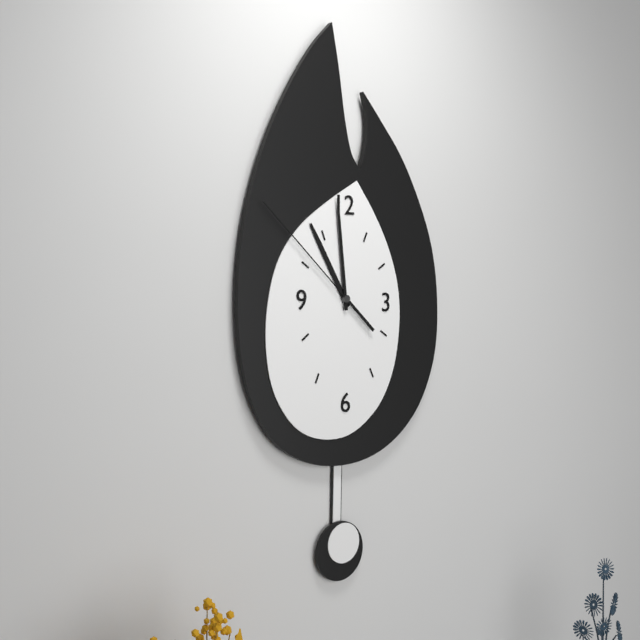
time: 10:59:52
